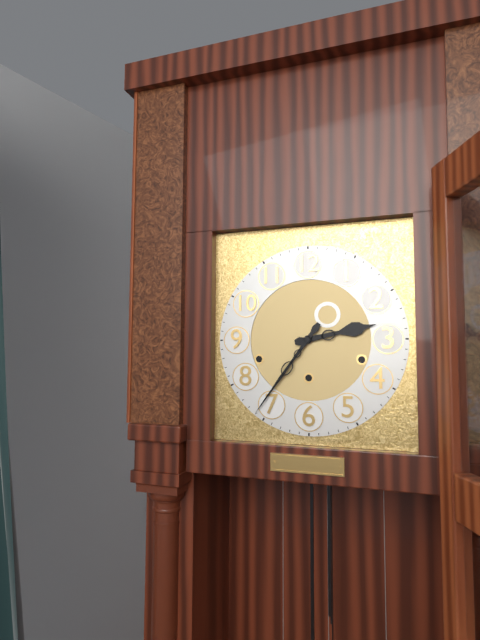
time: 2:36
